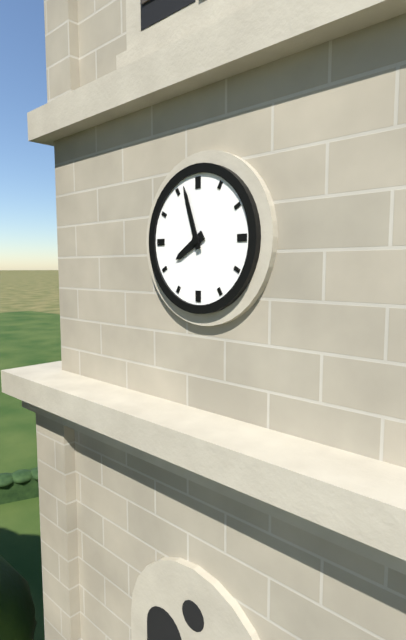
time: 7:57
